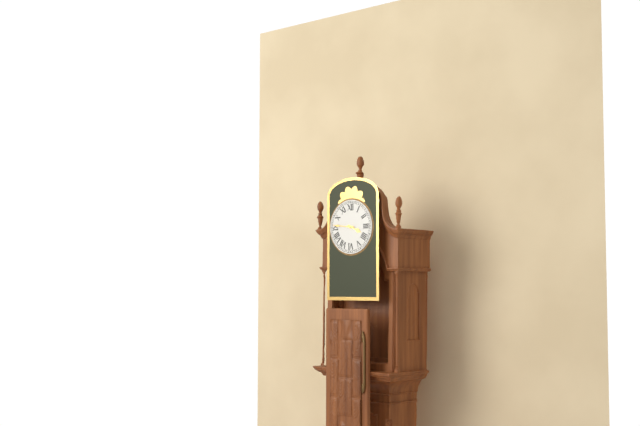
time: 3:46
